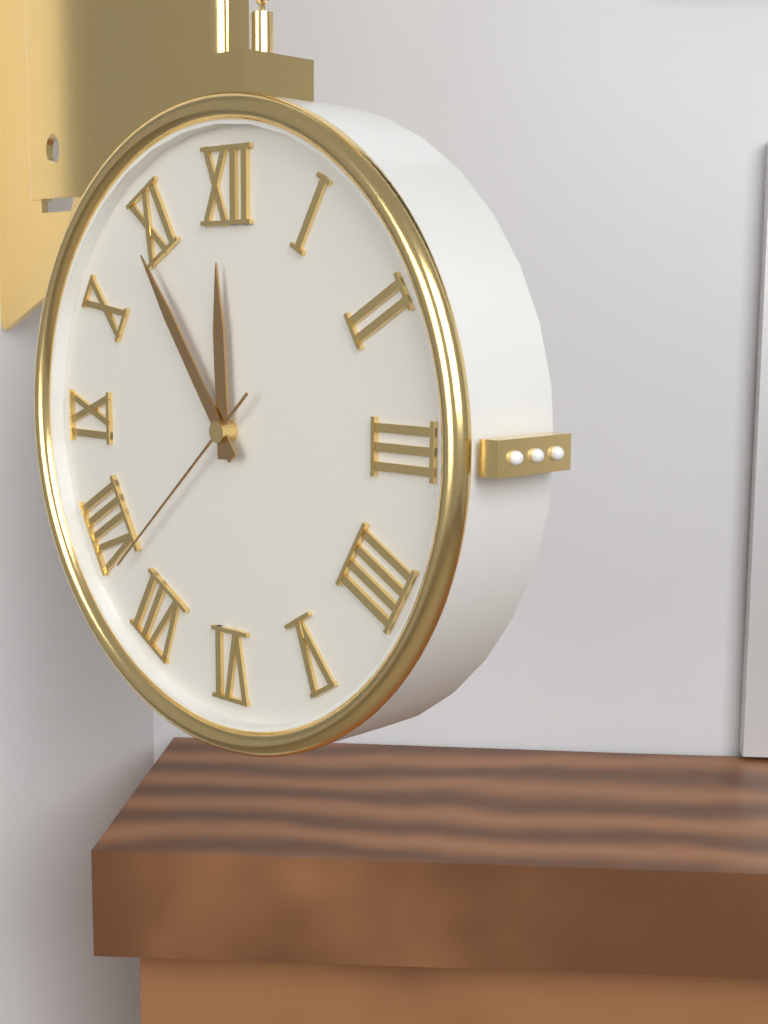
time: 11:54:38
